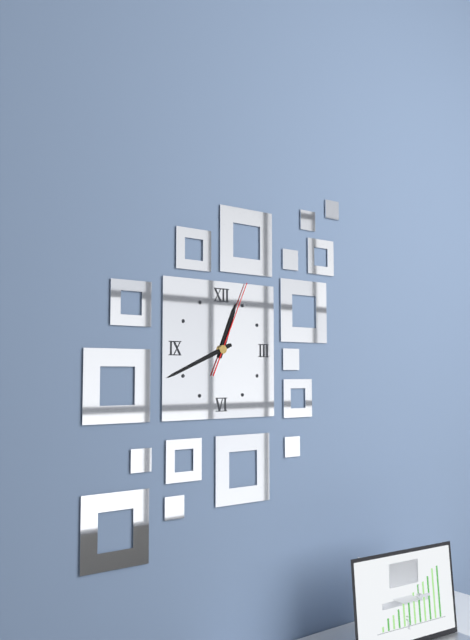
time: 12:41:04
